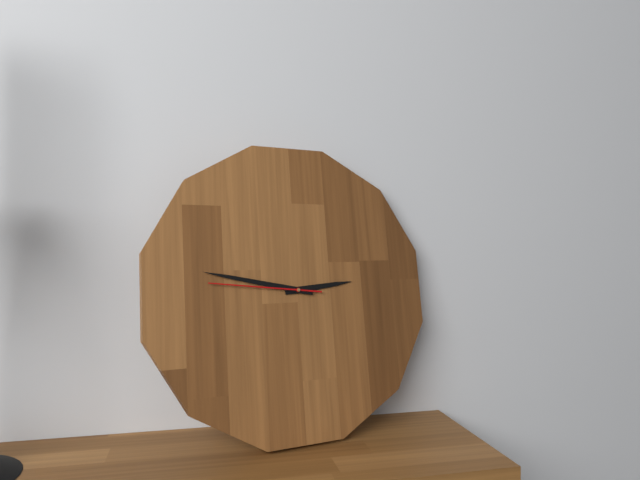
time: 2:47:46
